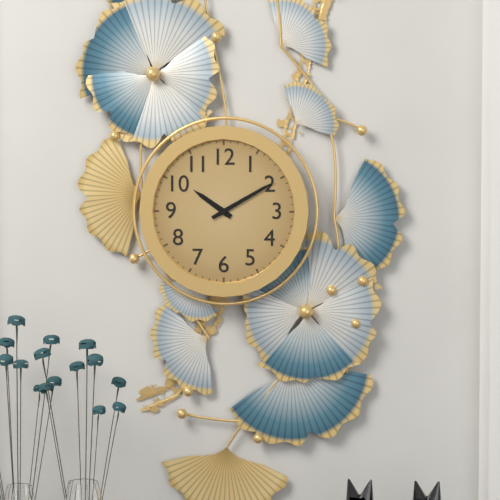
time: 10:10
